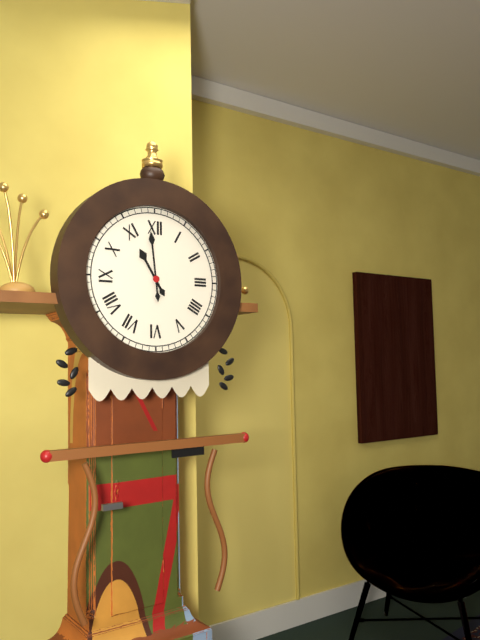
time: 10:59
